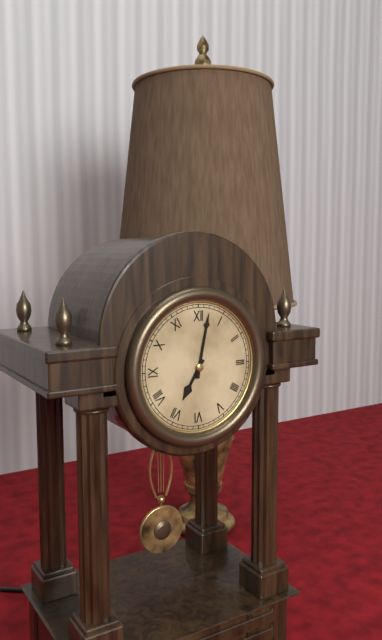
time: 7:02
